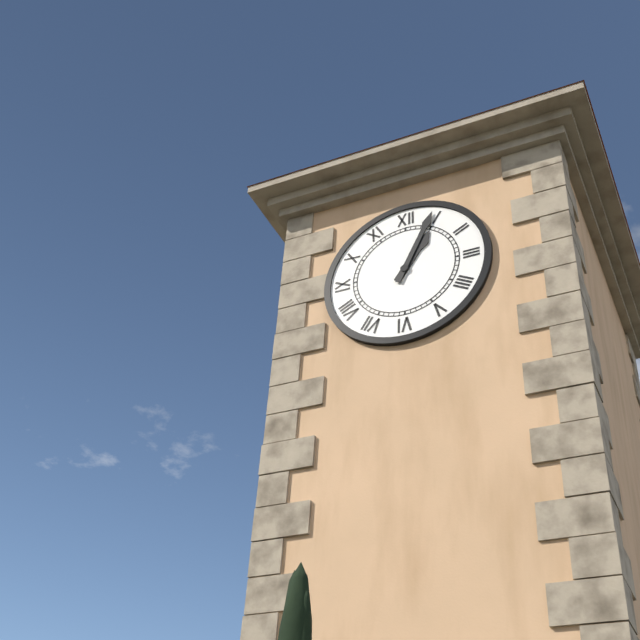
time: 1:04
